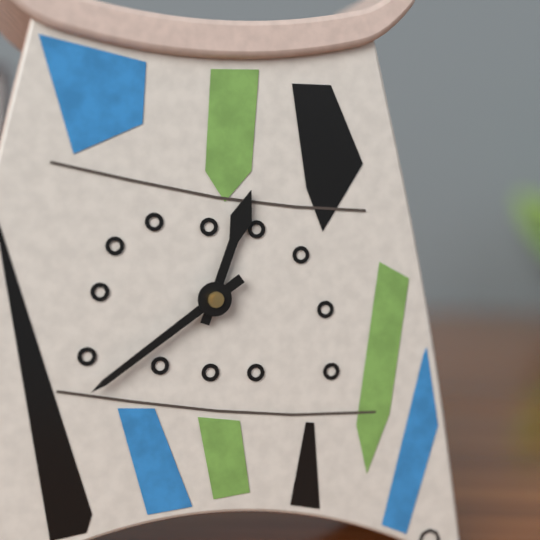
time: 12:39
